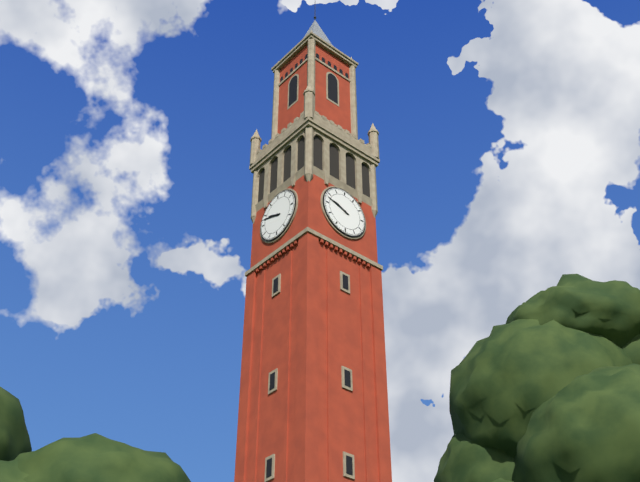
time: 9:48
